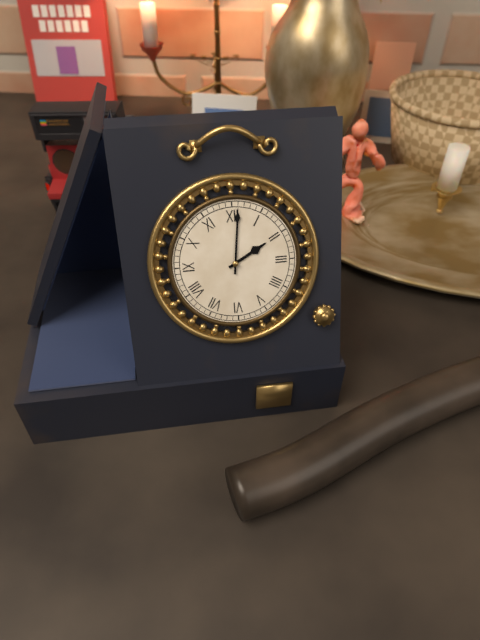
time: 2:01
